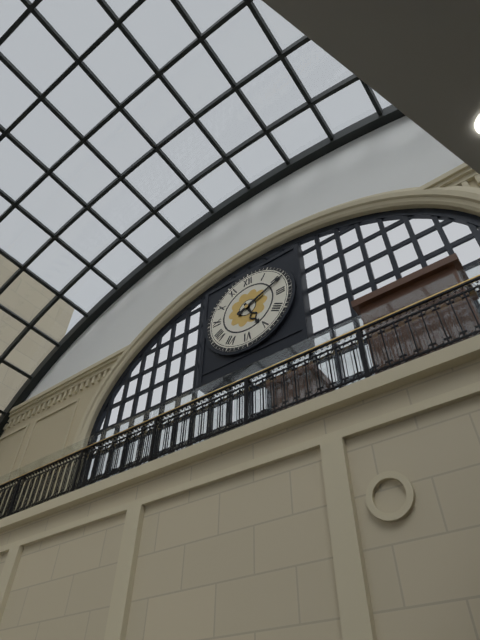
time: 5:11
